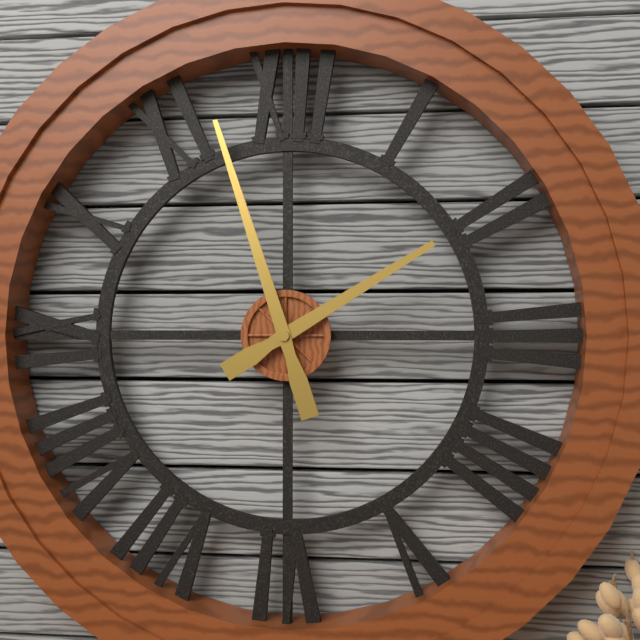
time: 1:57
